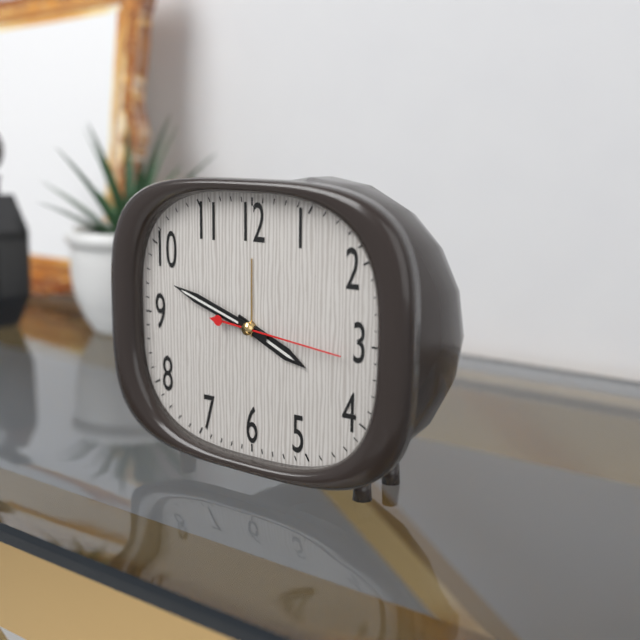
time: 3:48:16
